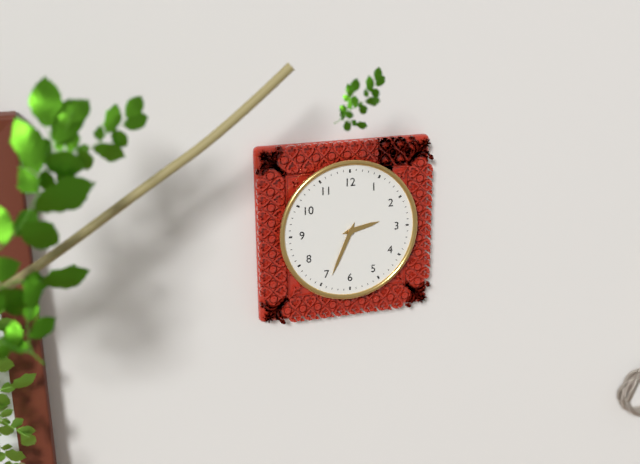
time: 2:34
